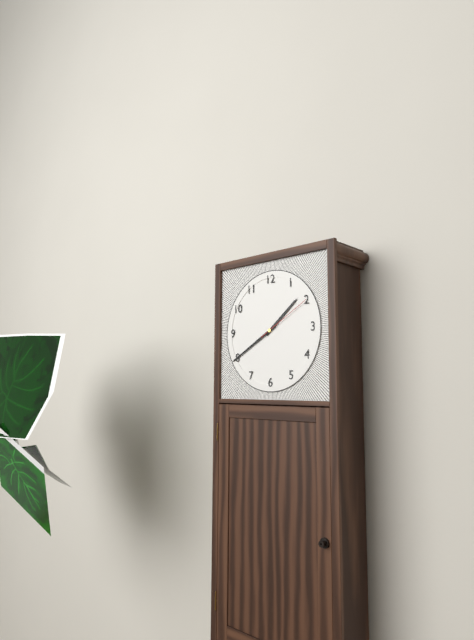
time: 1:40:10
